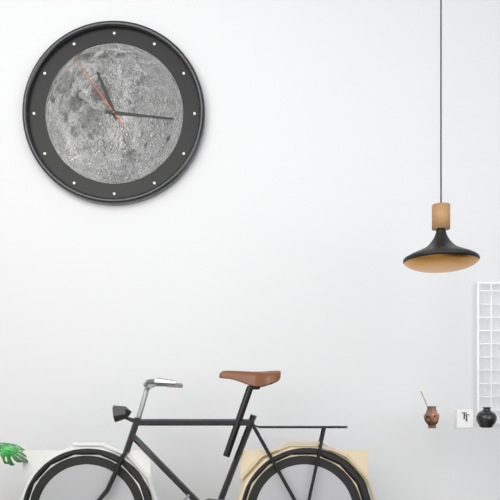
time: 11:16:54
